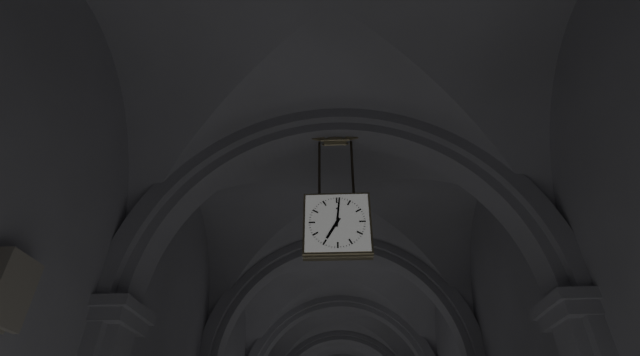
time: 7:01
